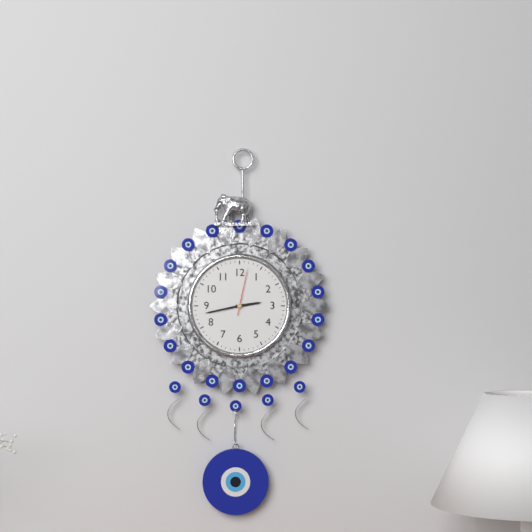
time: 2:43
